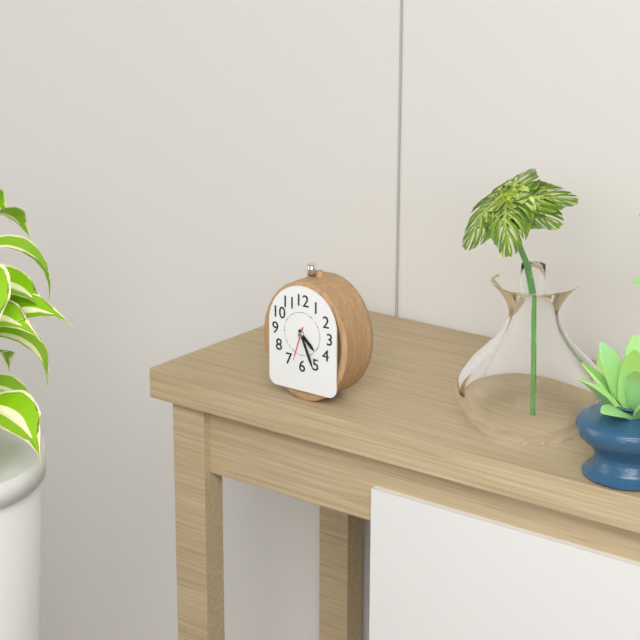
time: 4:26
